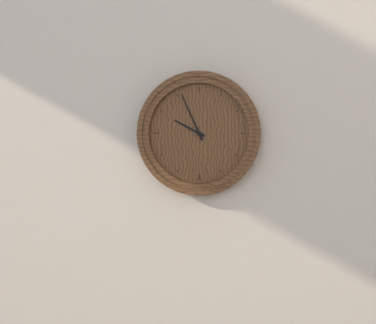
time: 9:56
